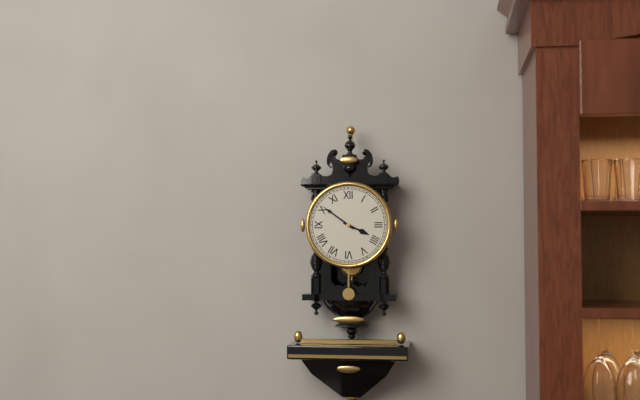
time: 3:51
